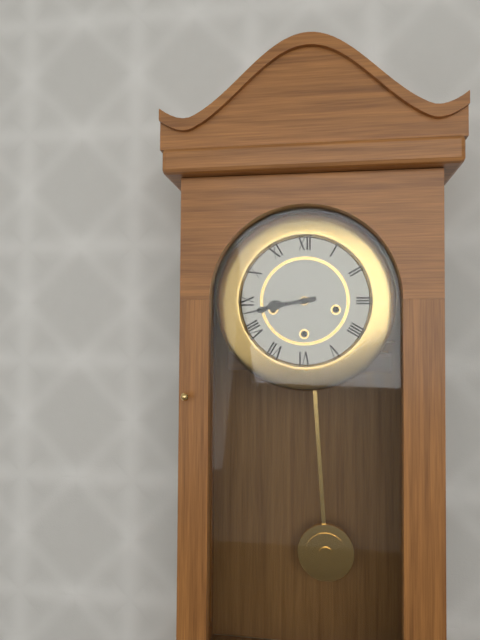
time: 8:43
